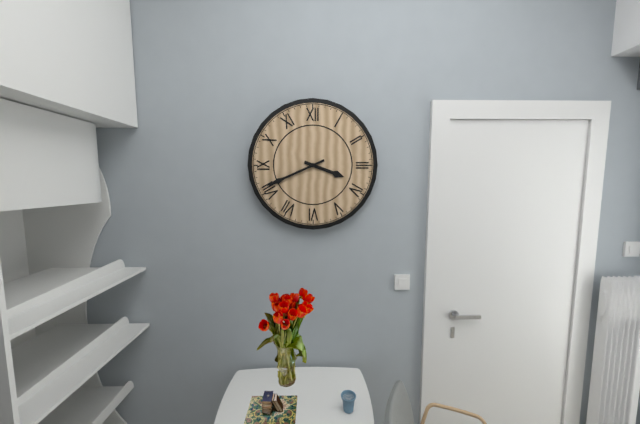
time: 3:41
